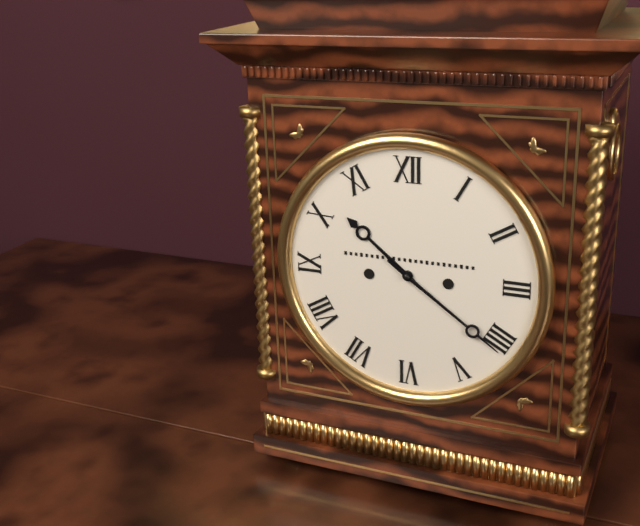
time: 10:21
